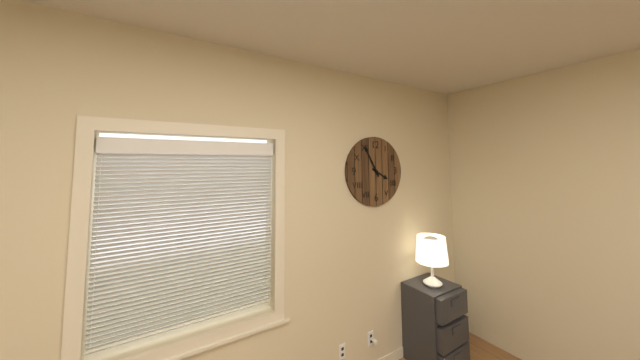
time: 3:55
